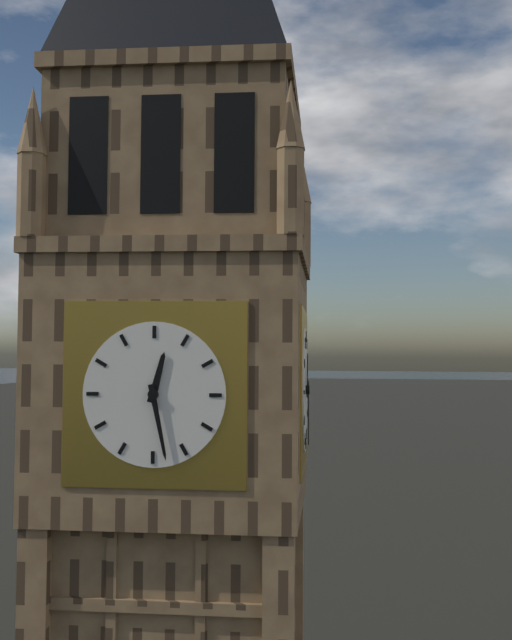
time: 12:28
